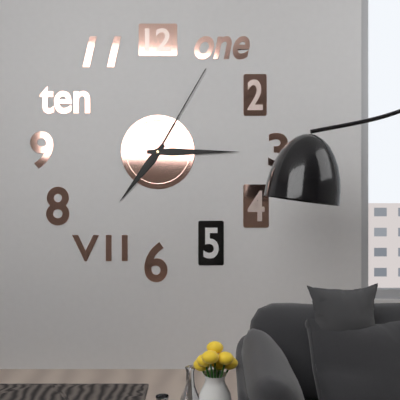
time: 7:15:05
